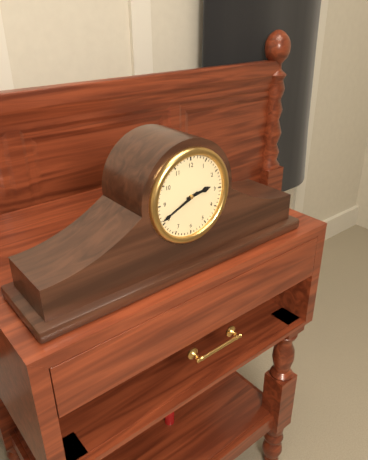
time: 2:41
